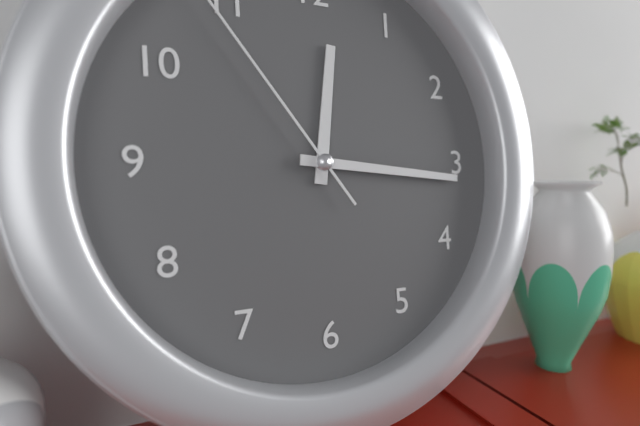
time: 12:16
